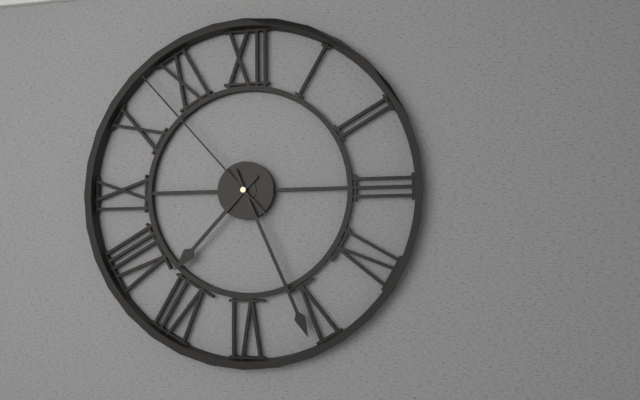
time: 7:26:53
